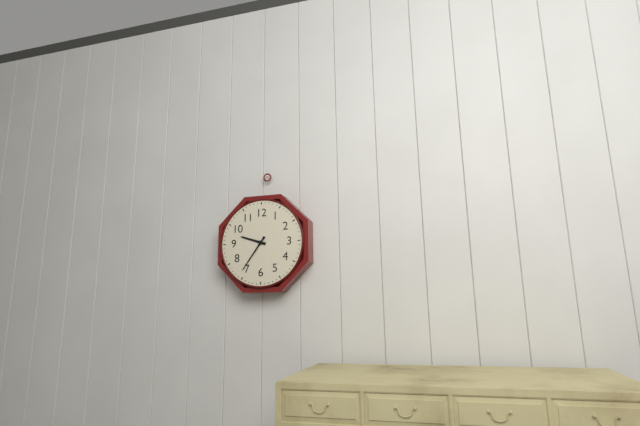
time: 9:36
